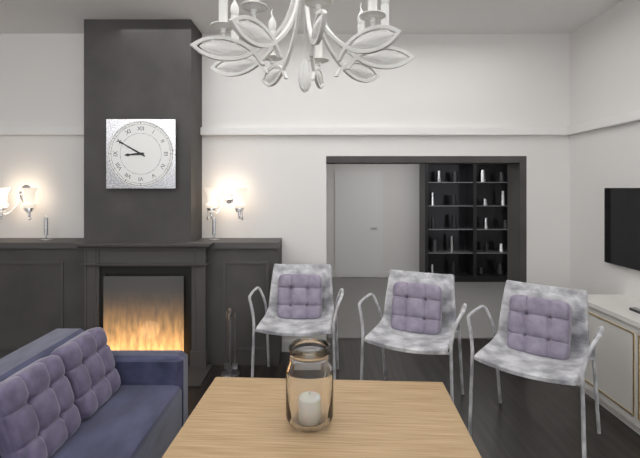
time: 8:50
